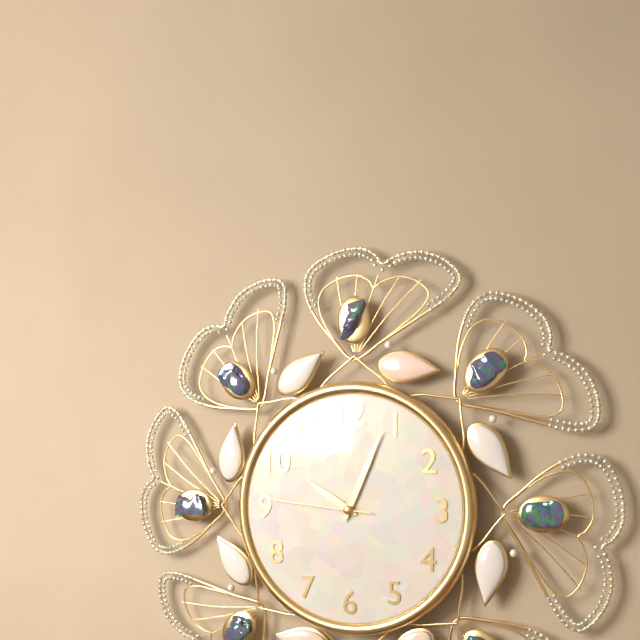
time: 10:04:46
